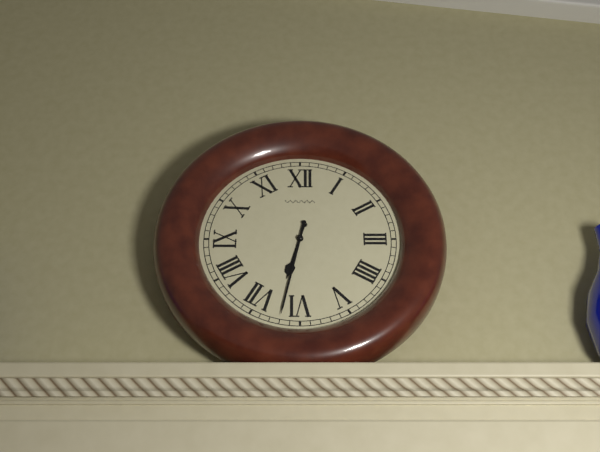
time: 6:32
